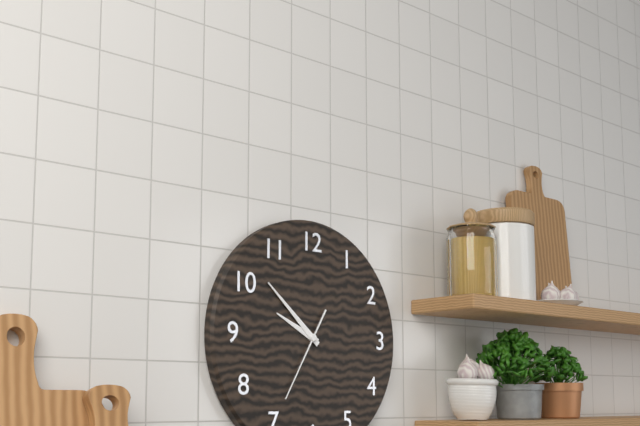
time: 9:52:35
